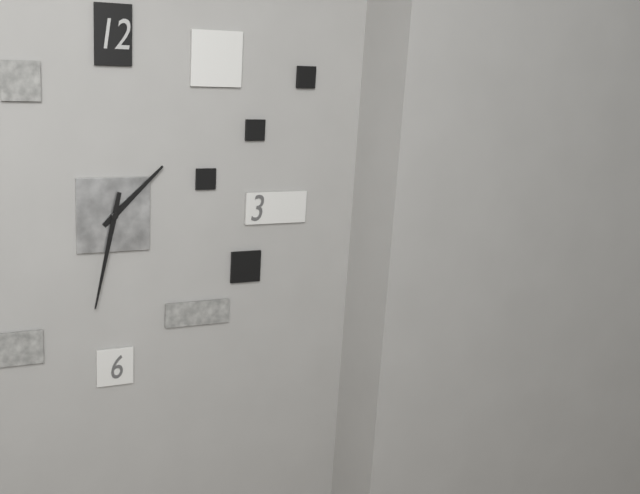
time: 1:32
